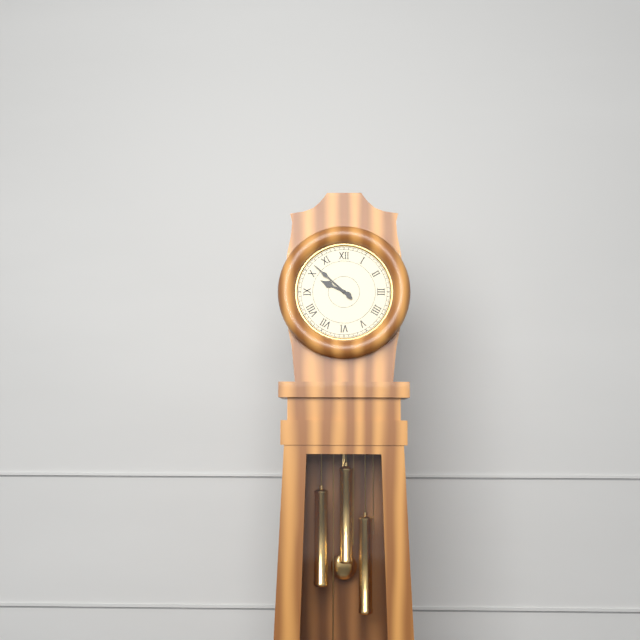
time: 9:52
